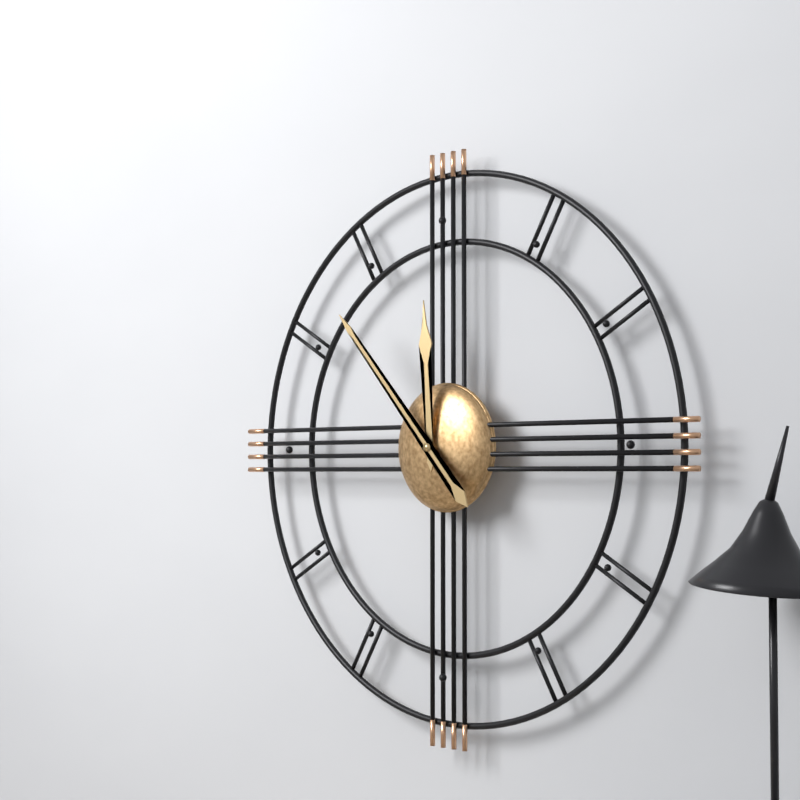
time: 11:53
